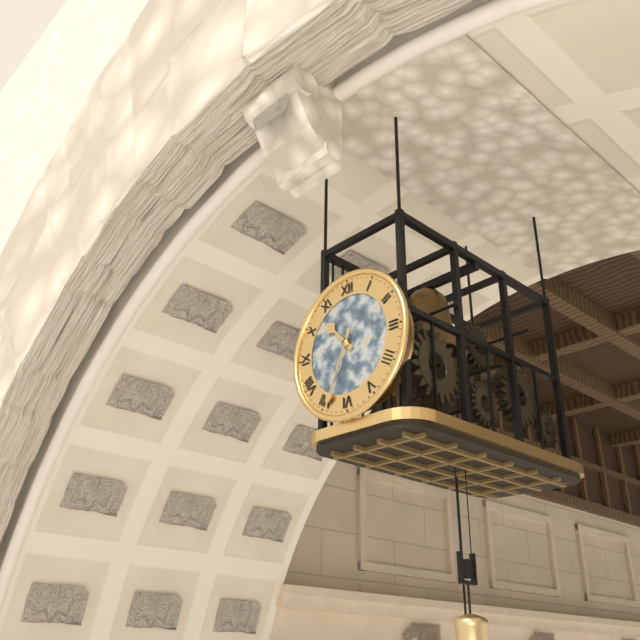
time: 10:34
